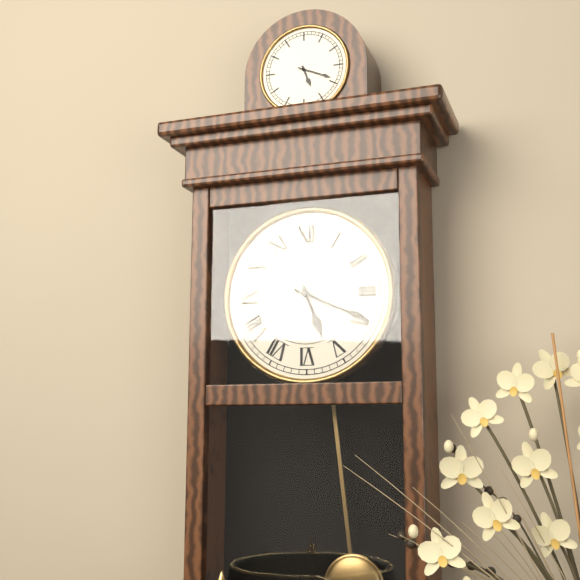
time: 5:19
